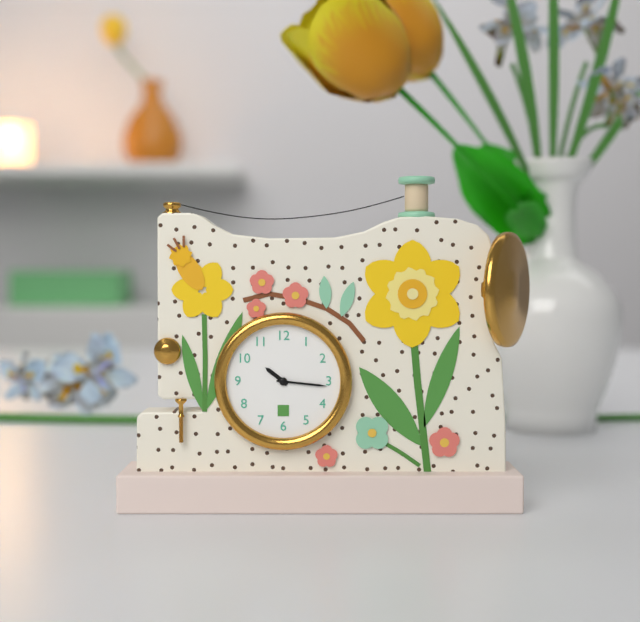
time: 10:16
